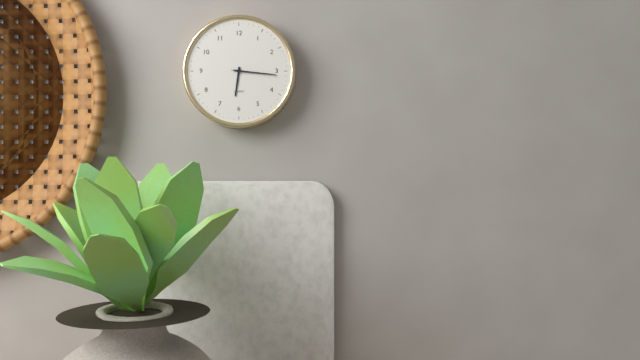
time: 6:16
